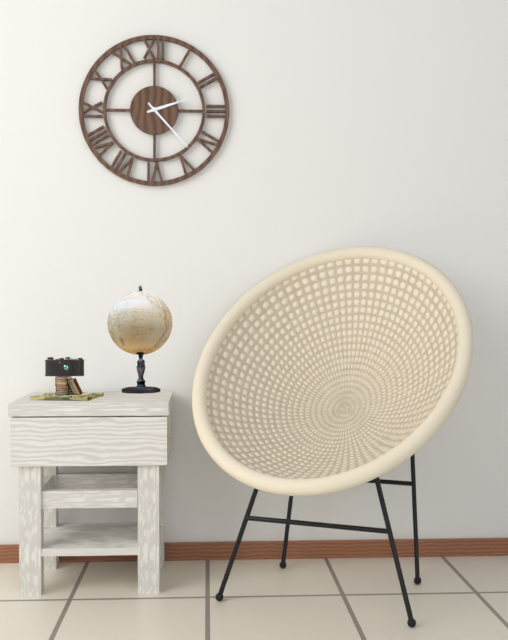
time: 2:23
